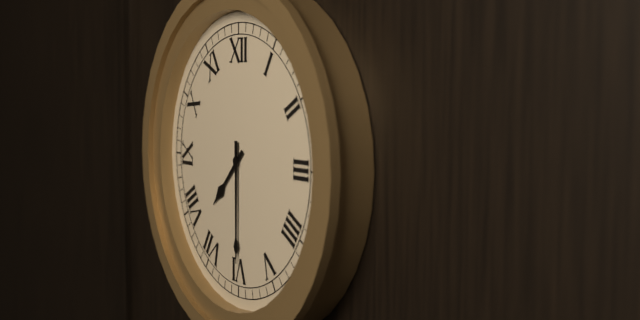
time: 7:30
